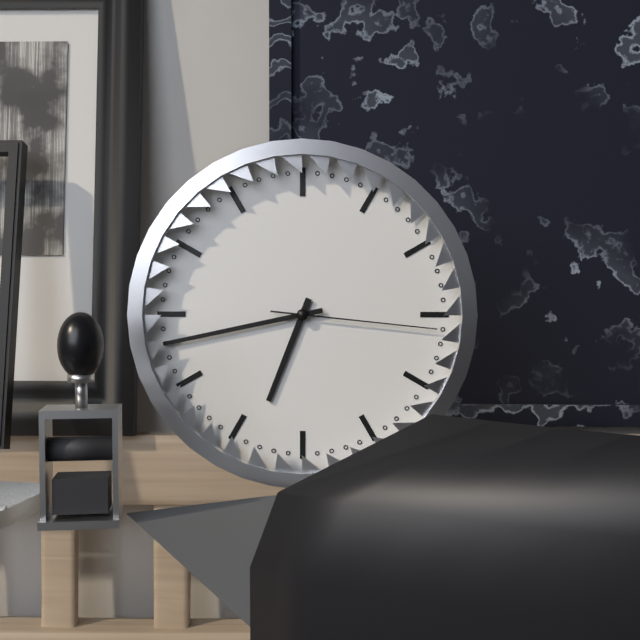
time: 6:43:16
